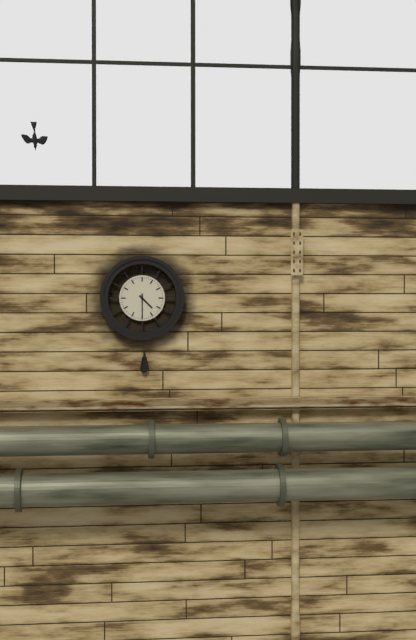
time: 4:30
